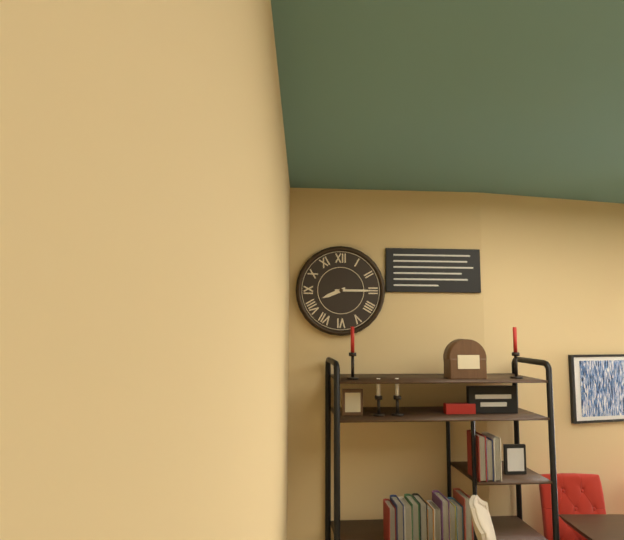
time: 8:15
